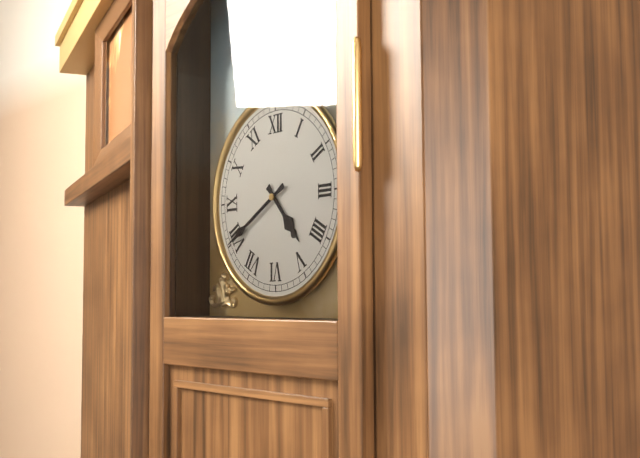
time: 4:40
